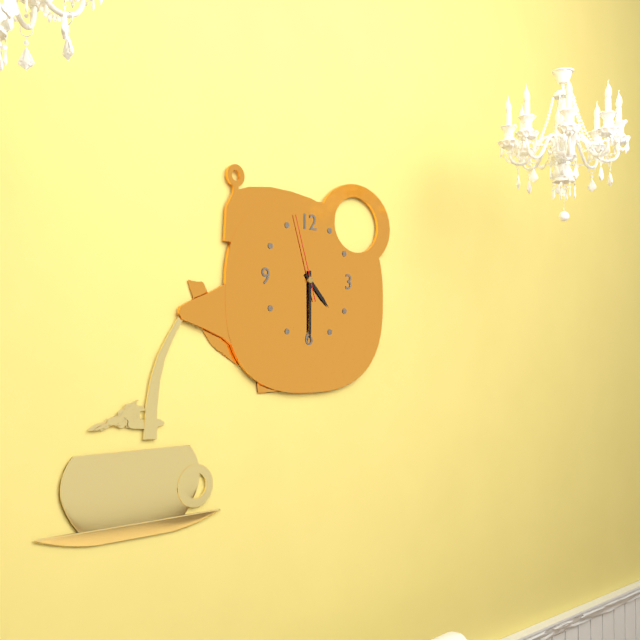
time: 4:30:57
